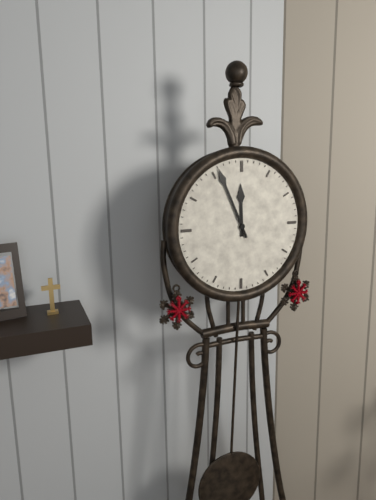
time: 11:56
